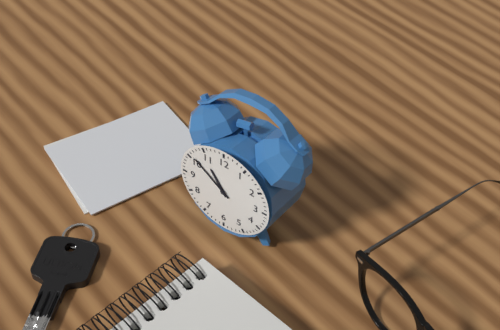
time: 10:51
